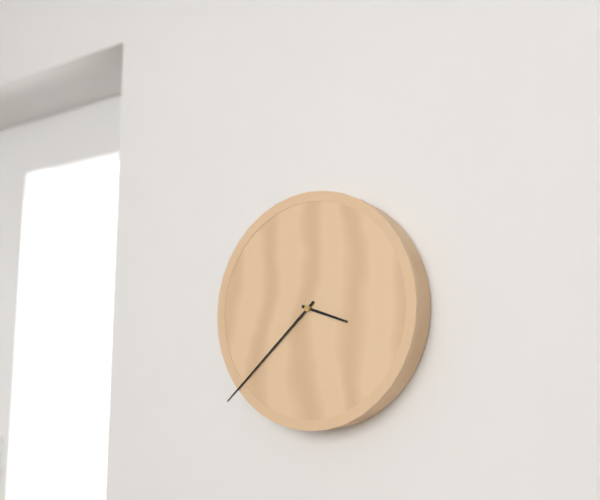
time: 3:38
